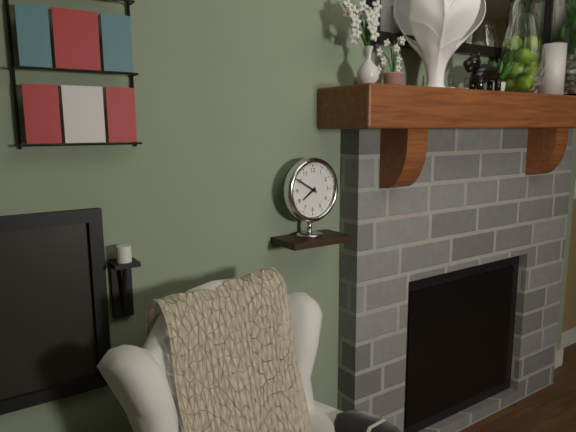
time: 7:50
